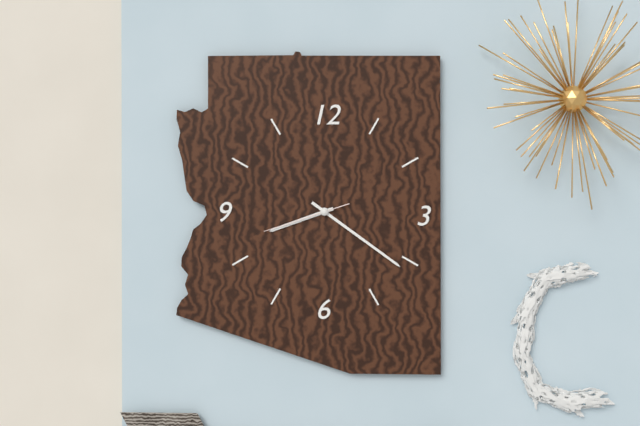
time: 8:21:42
